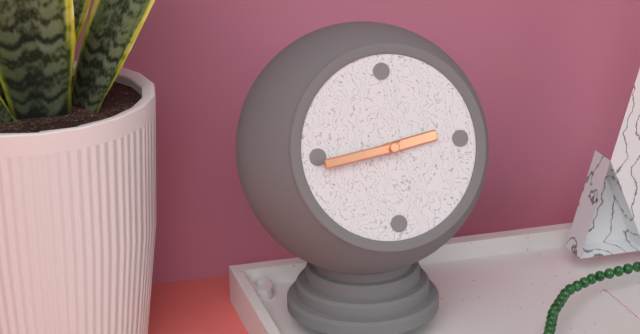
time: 2:44
